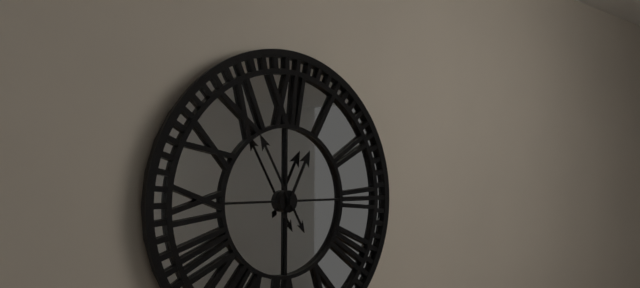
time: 12:55
